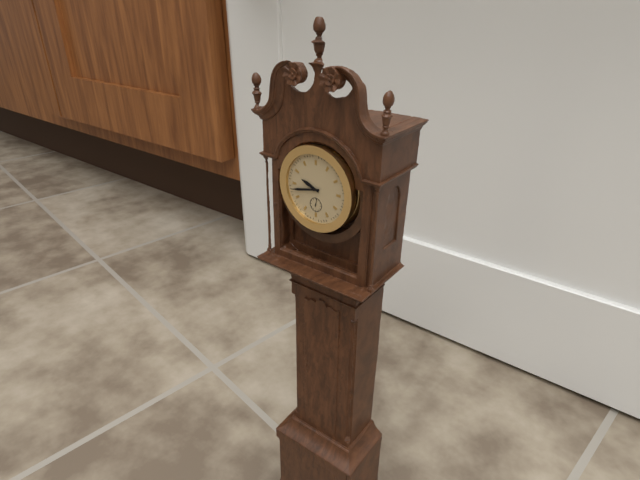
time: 9:43
